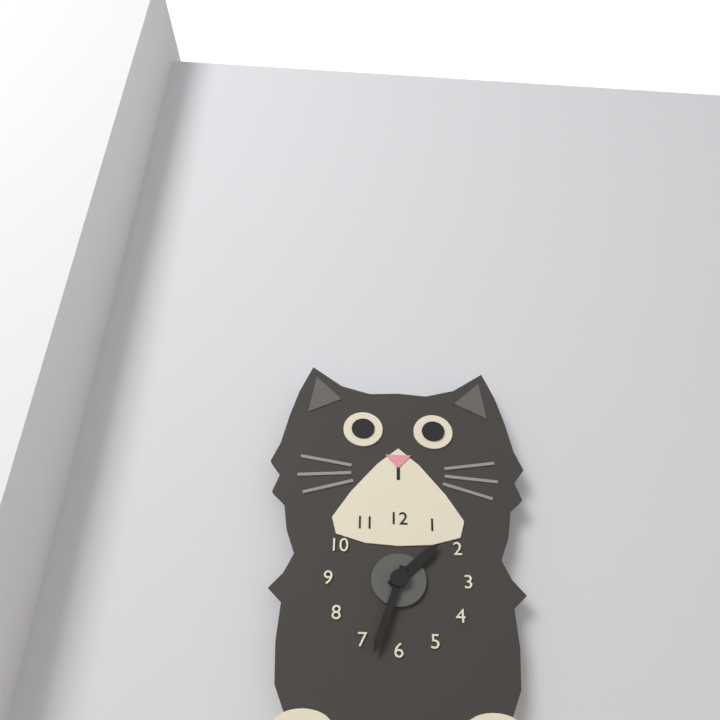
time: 1:33
